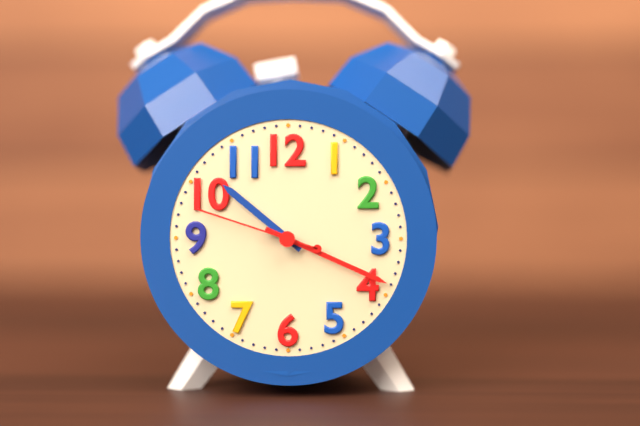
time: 10:19:48
